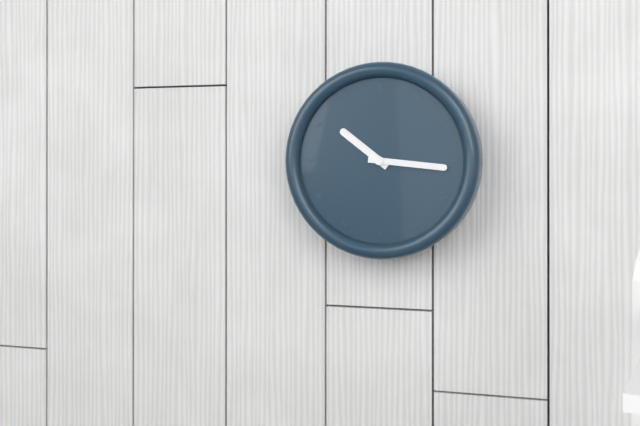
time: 10:16
